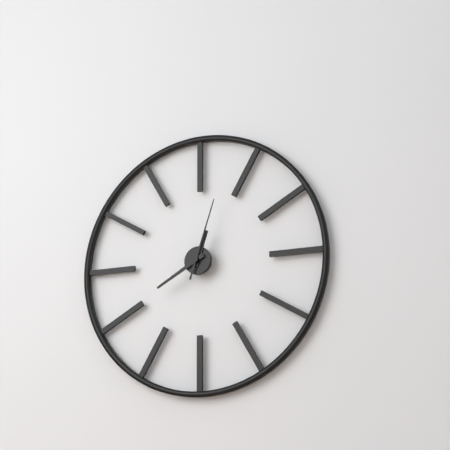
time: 12:40:03
